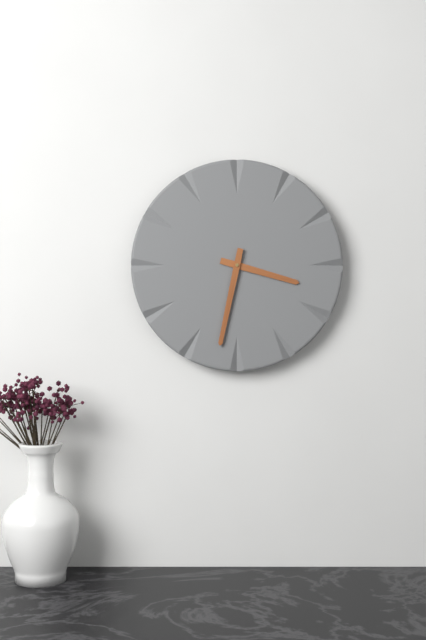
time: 3:32
